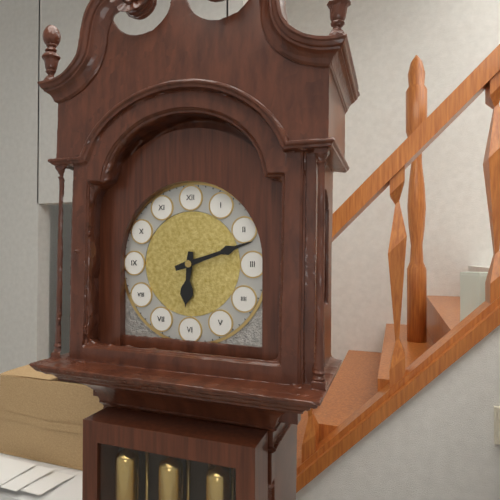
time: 6:12
